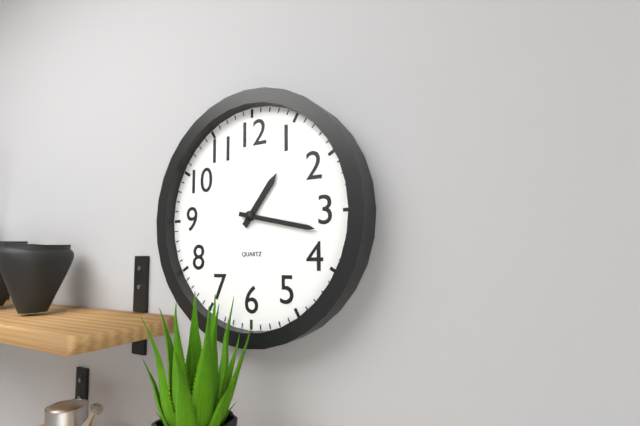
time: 1:17
